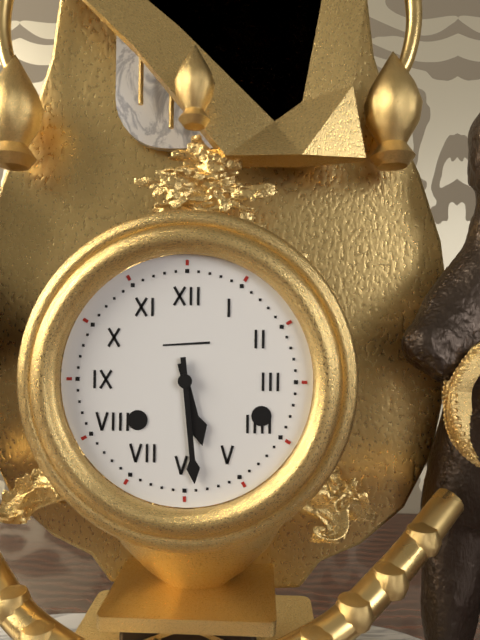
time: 5:29
